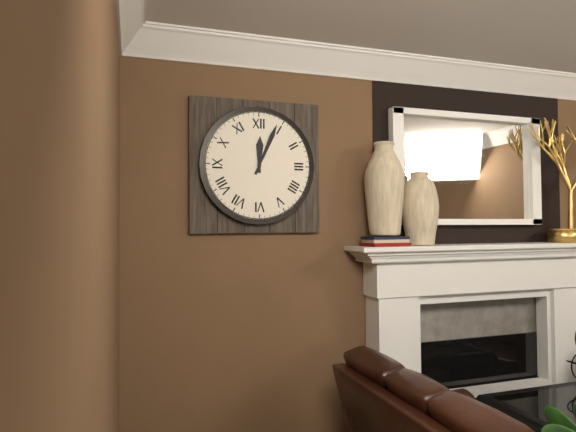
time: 12:04
